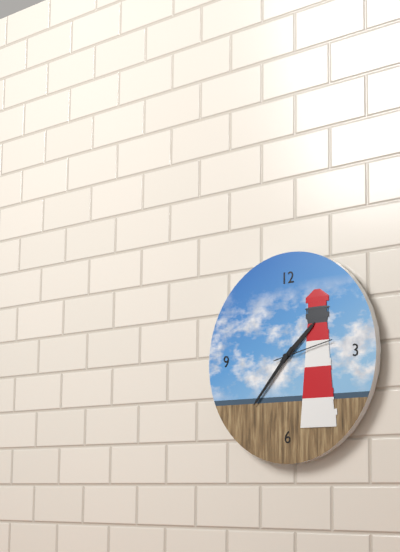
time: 1:37:13
